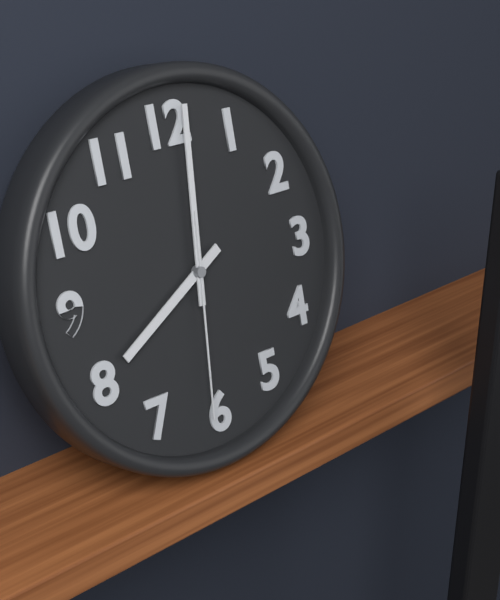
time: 8:01:31
